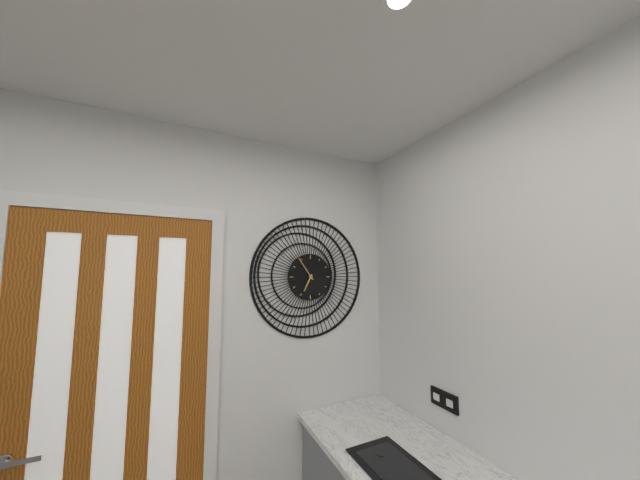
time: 6:54
